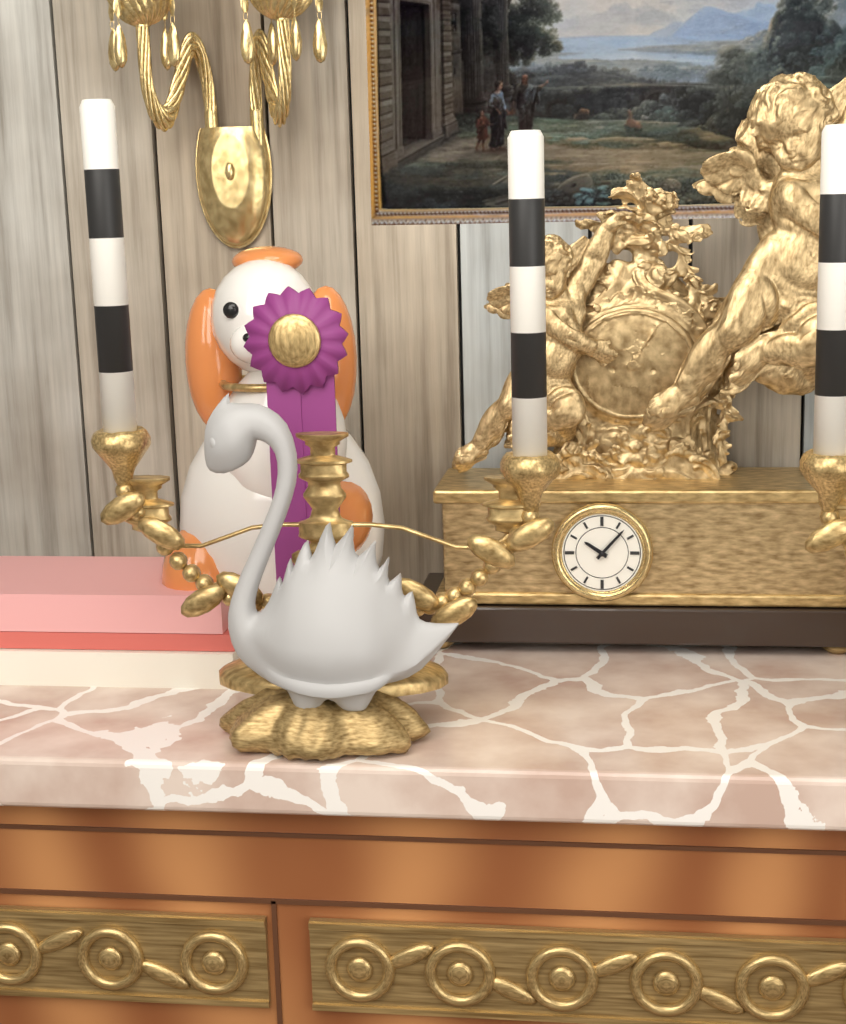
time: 10:07
